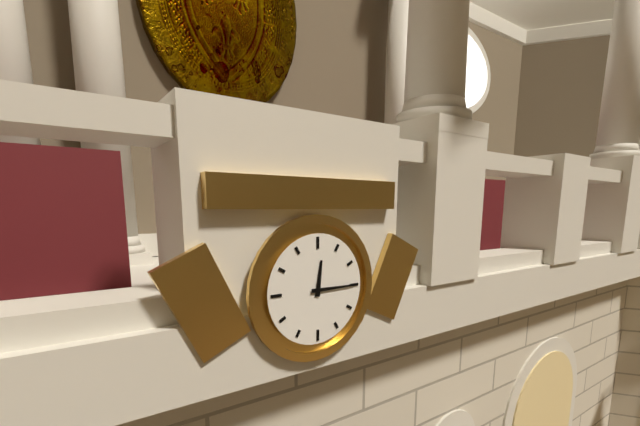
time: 12:15
